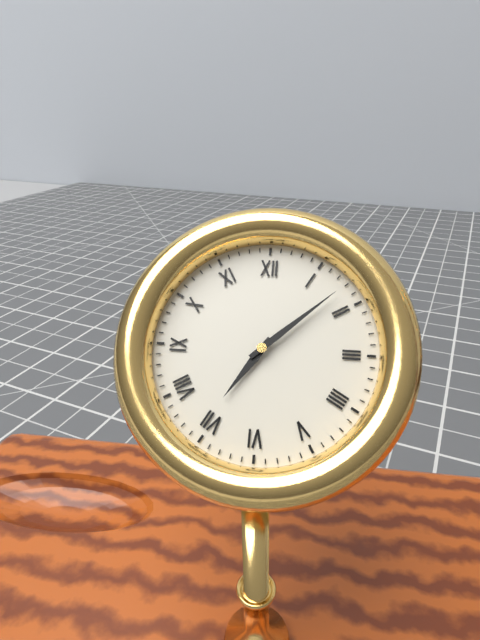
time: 7:08
